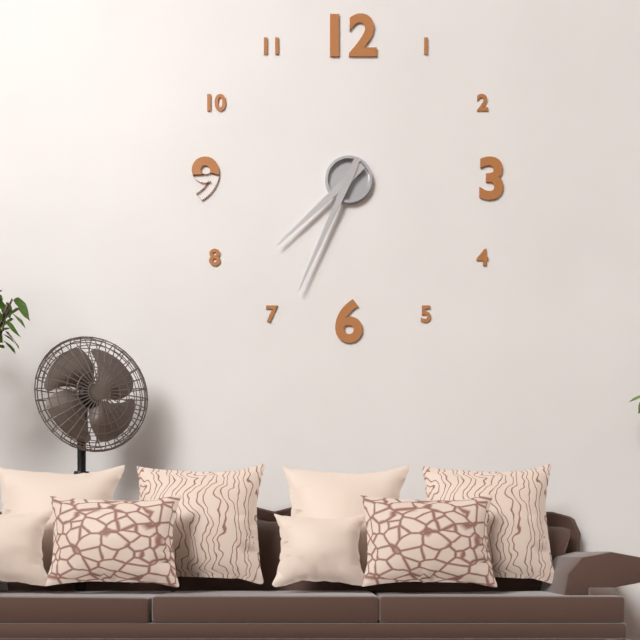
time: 7:34
